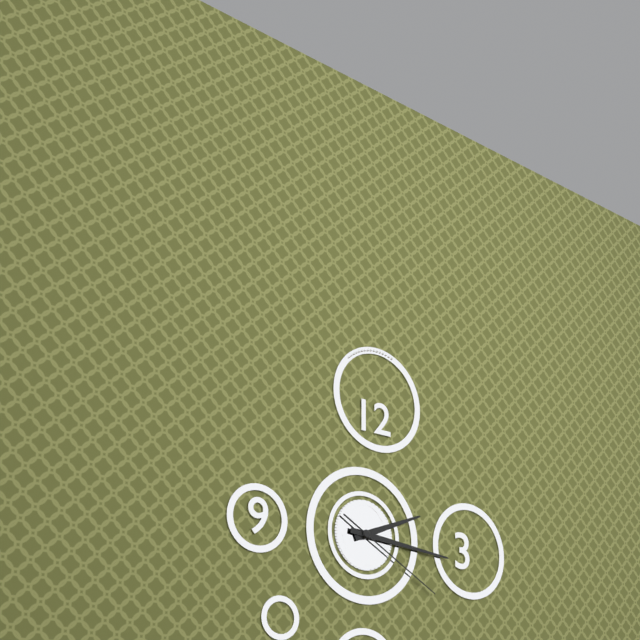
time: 2:16:20
